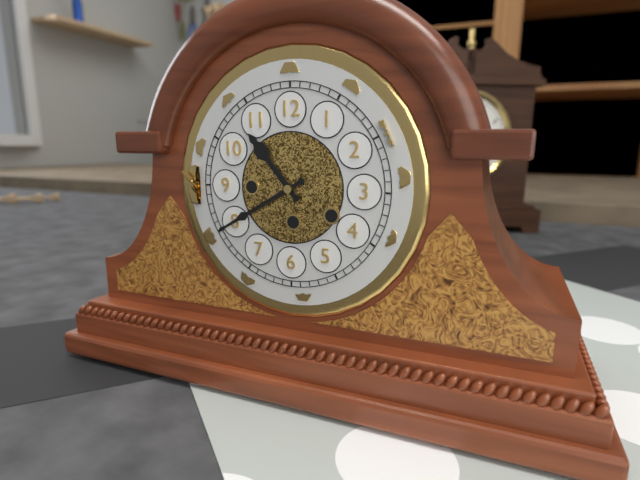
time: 10:40
